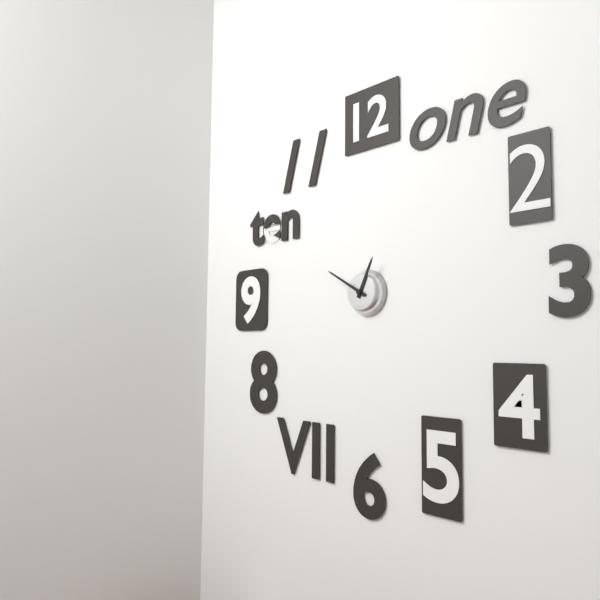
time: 12:50
